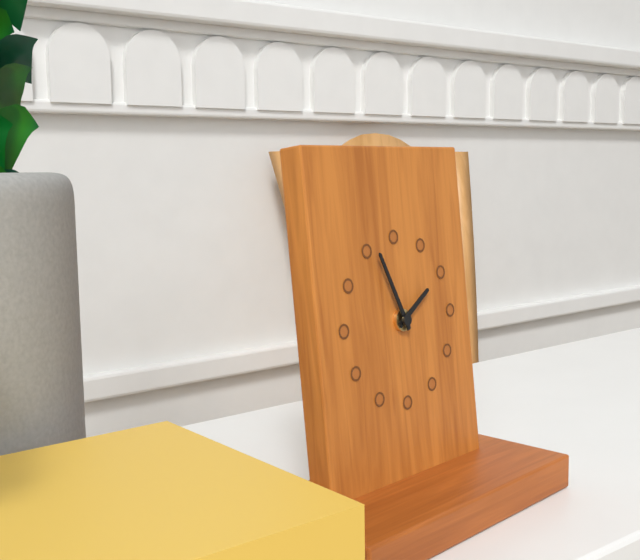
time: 1:56
